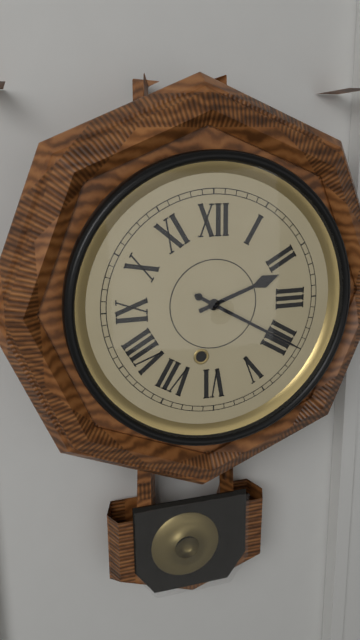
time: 2:20
